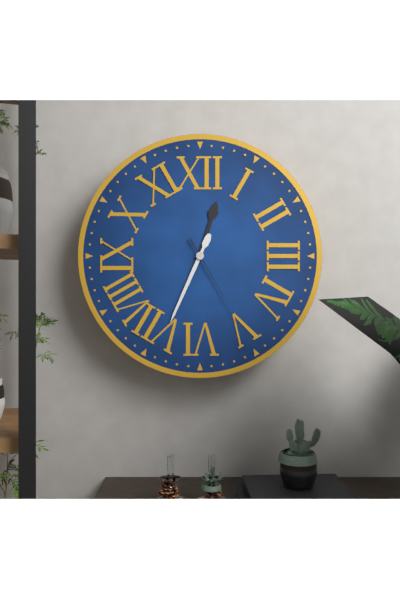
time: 12:34:25
